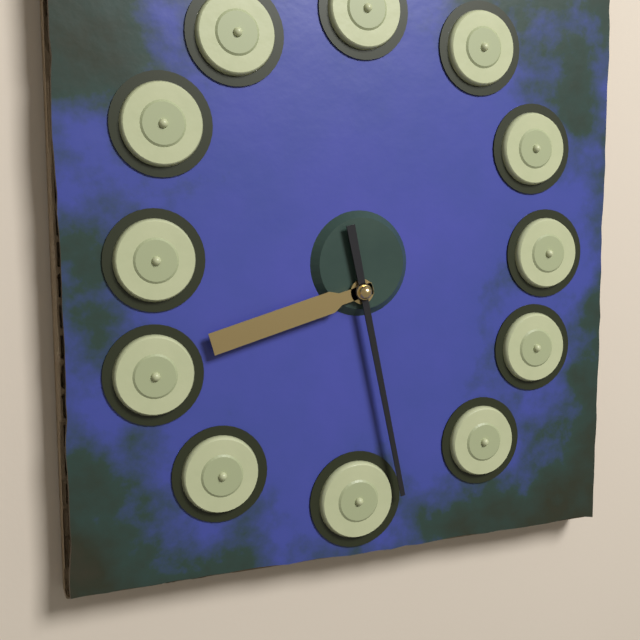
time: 8:28
